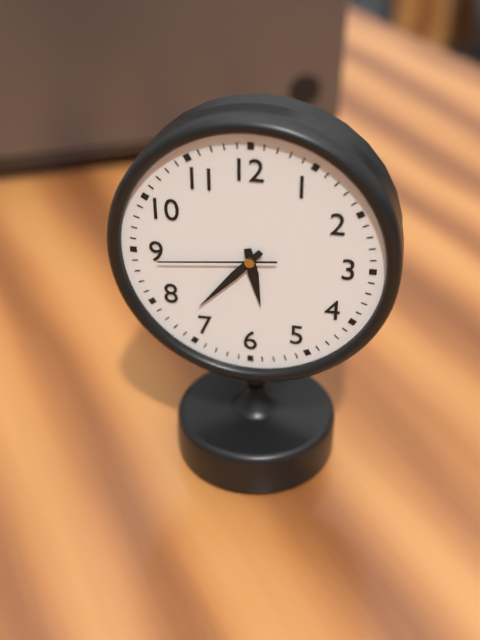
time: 5:37:44
